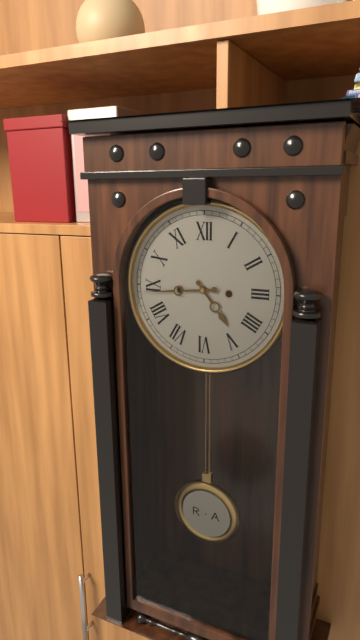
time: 4:44
